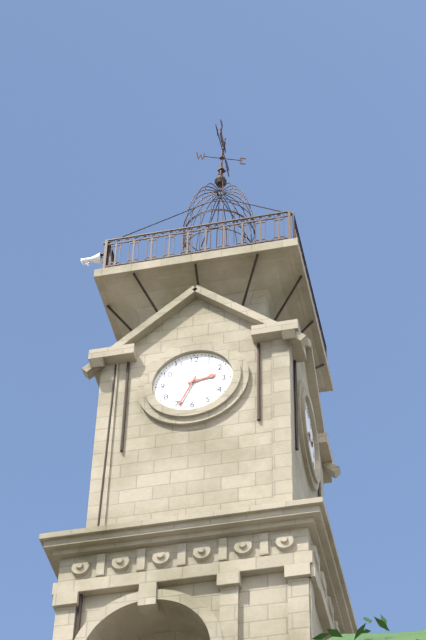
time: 2:34
